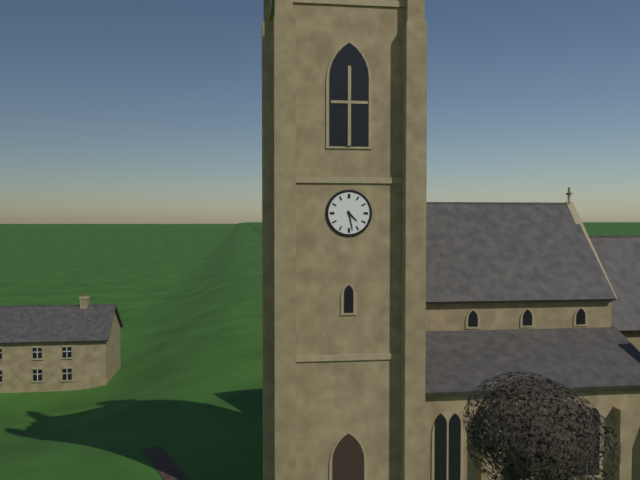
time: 4:28
